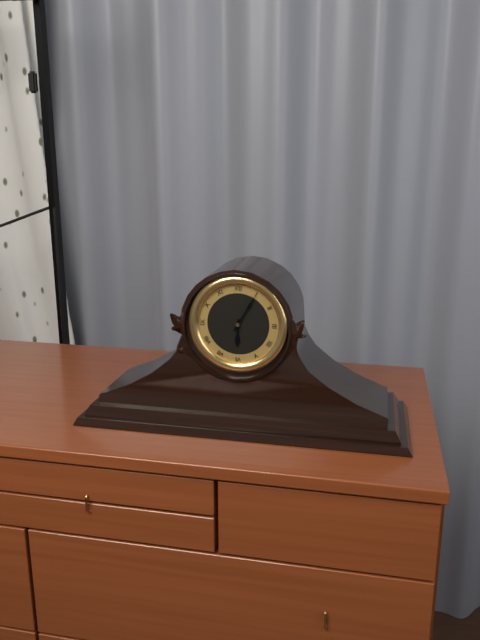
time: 6:05
